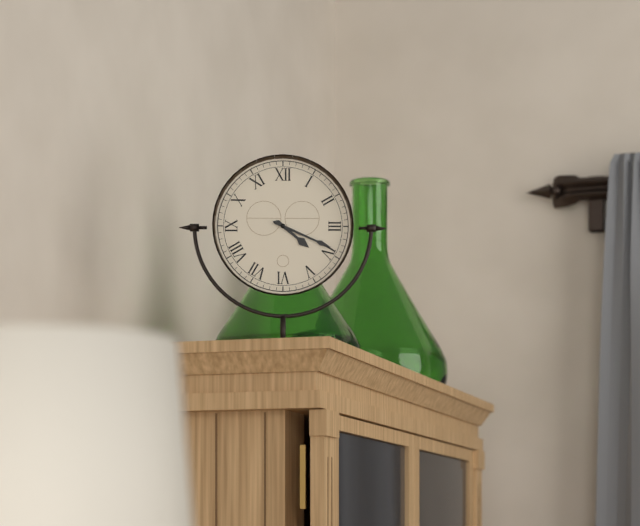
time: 4:19
